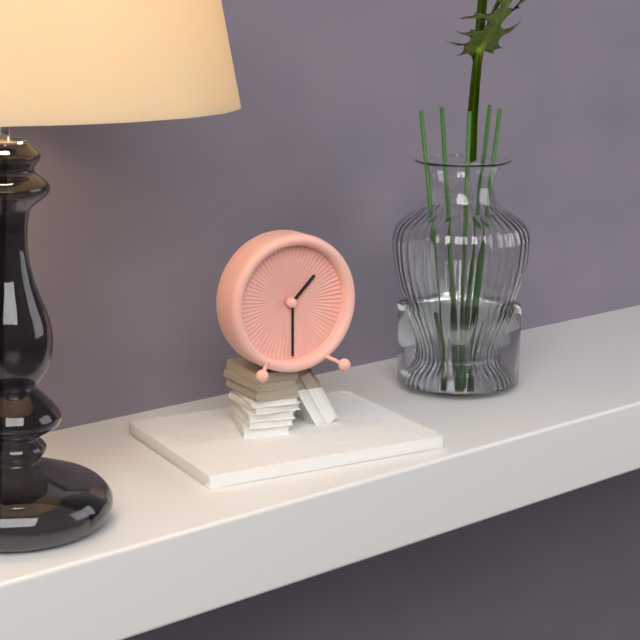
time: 1:30
